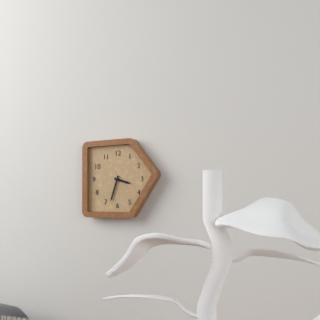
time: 3:33
